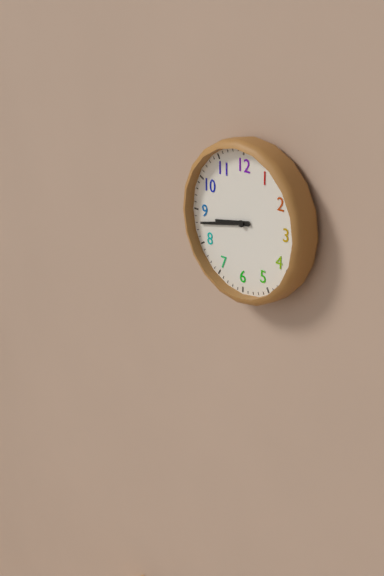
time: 8:43
